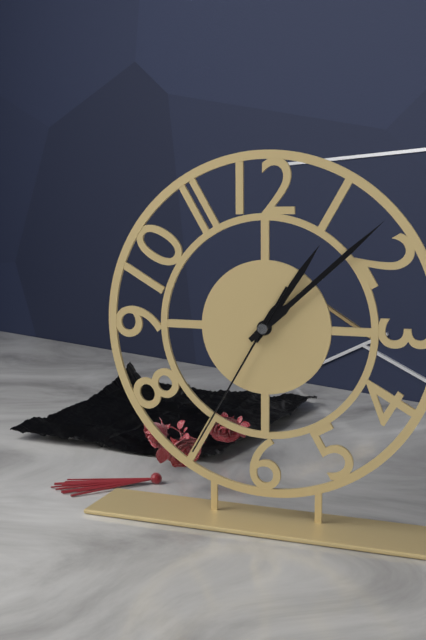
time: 1:08:35
